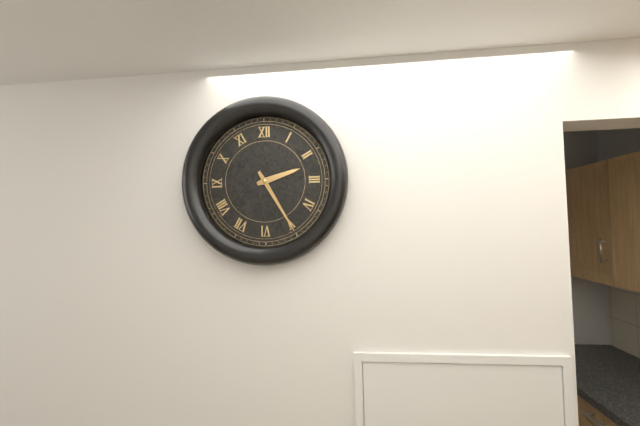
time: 2:25
